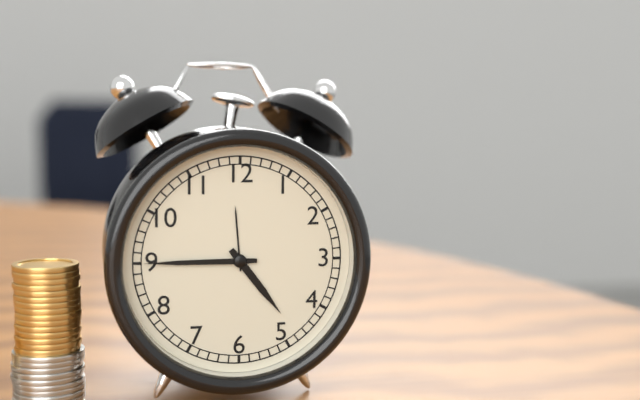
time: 4:45
